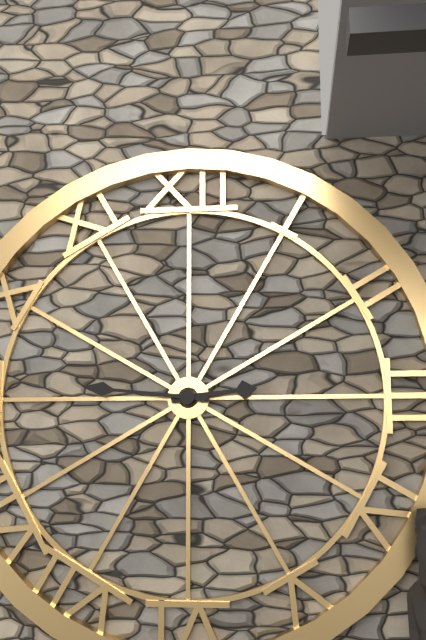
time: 2:46
